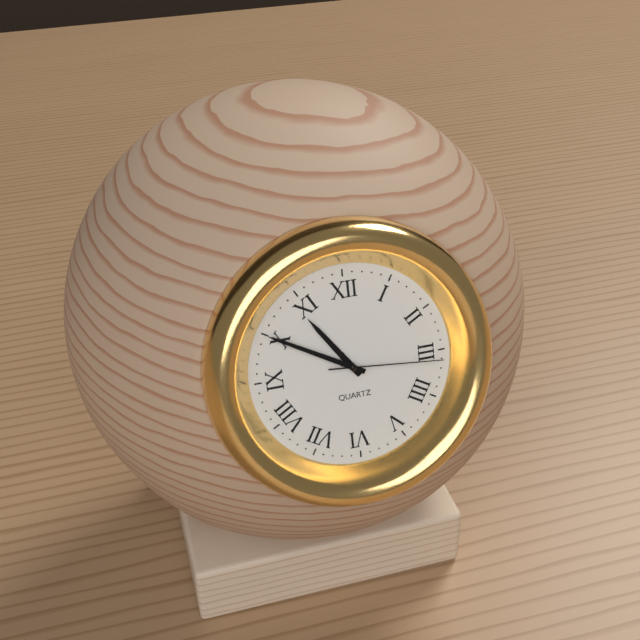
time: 10:50:16
